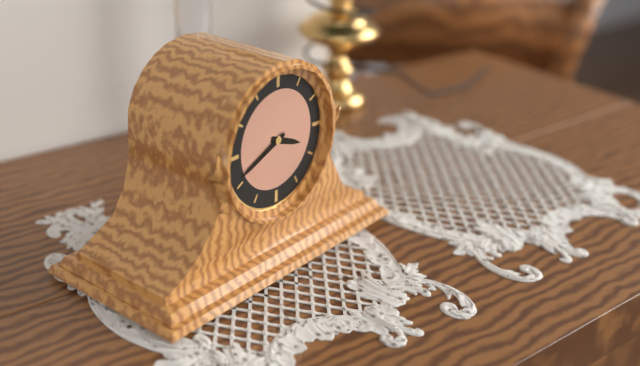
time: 3:41
